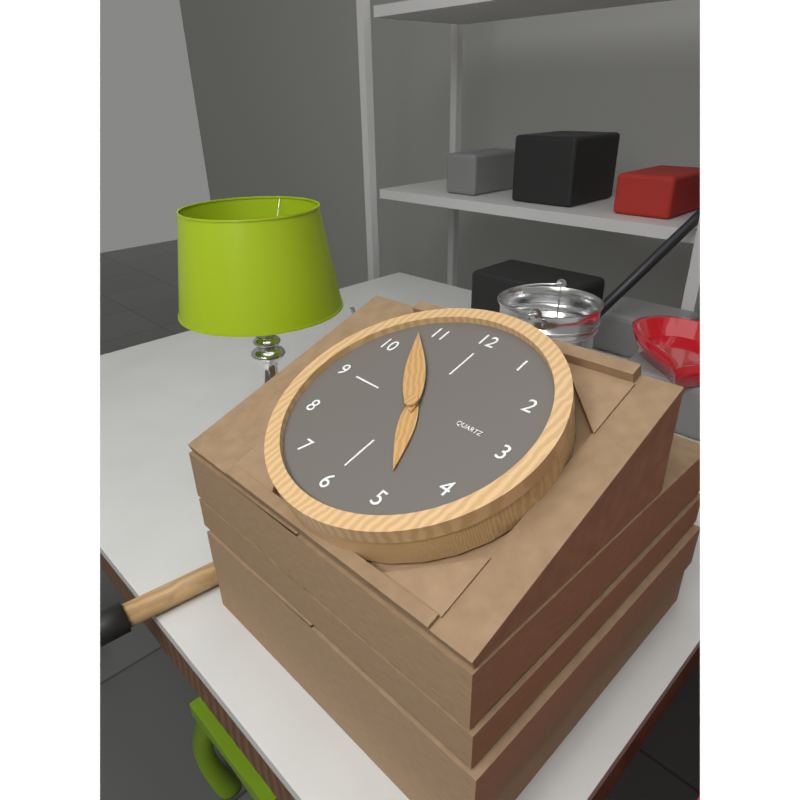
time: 4:53
